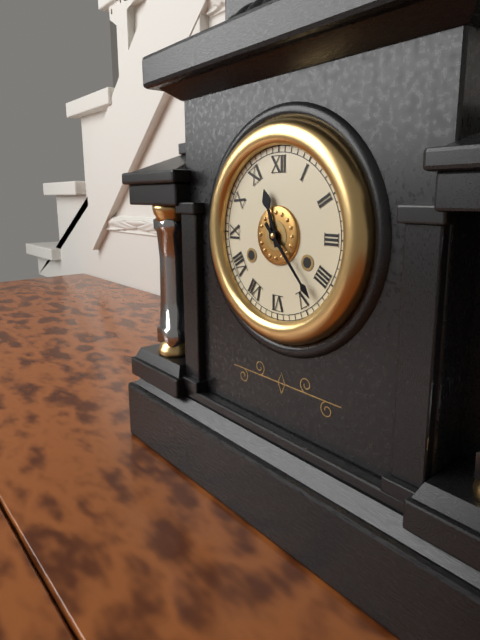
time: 11:23
